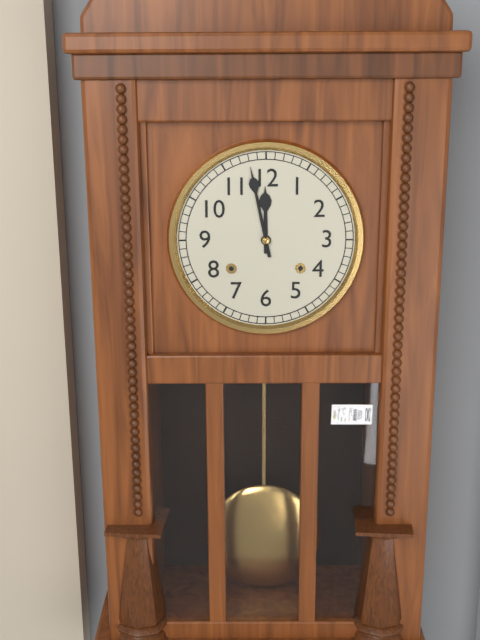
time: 11:58
